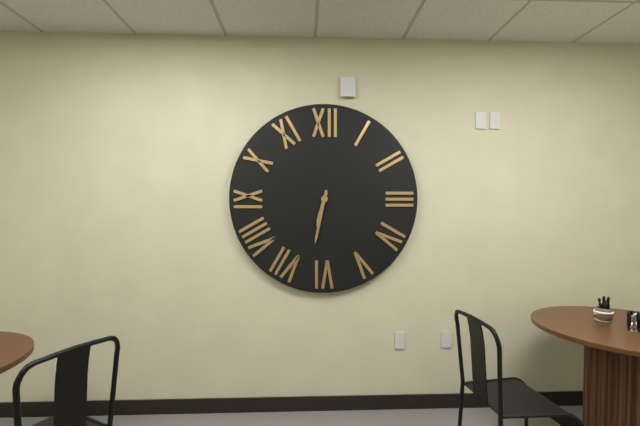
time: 6:32
